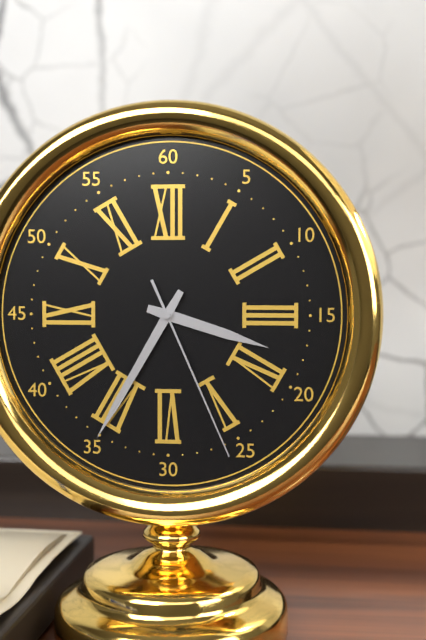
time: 3:35:26
